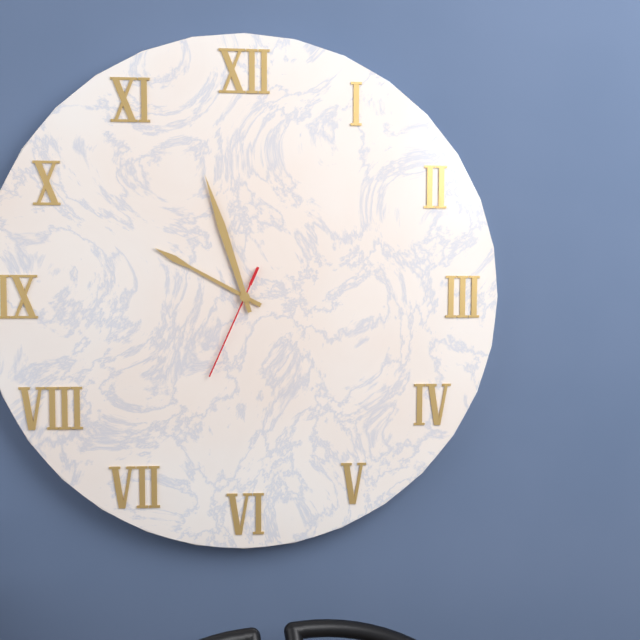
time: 9:57:34
